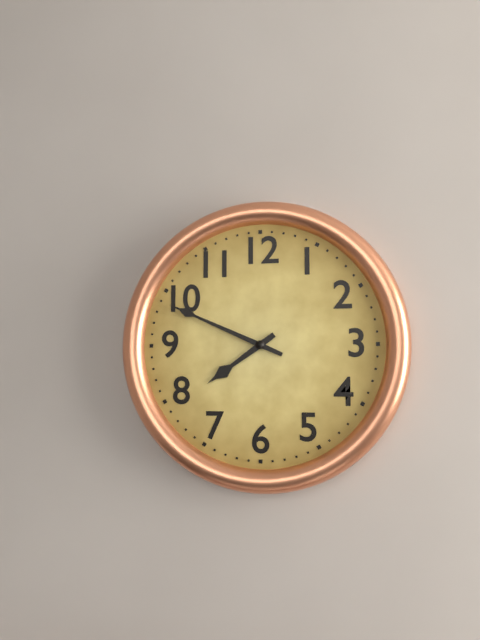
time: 7:49
